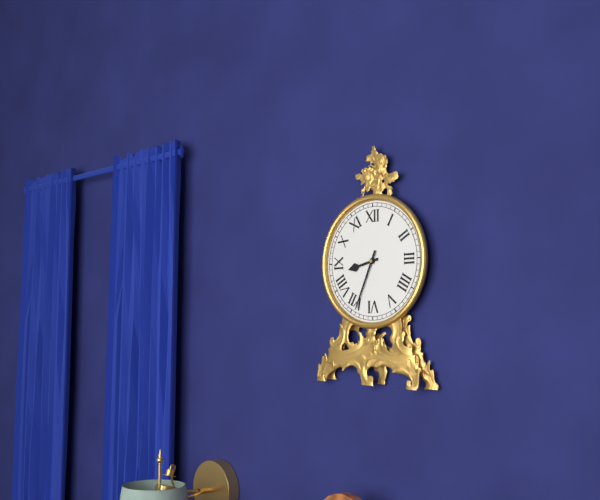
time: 8:34
